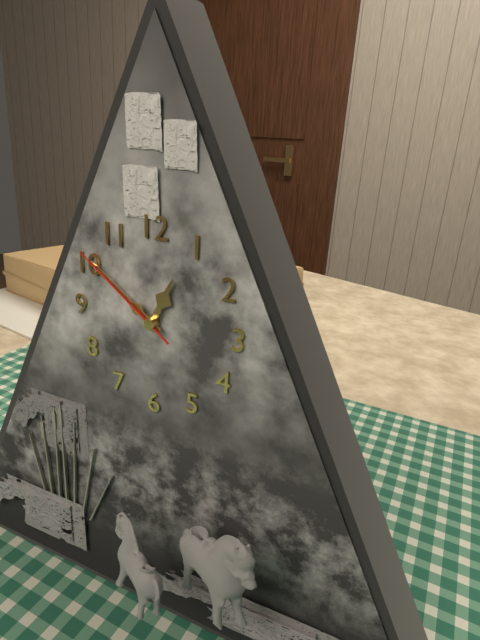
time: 12:51:51
